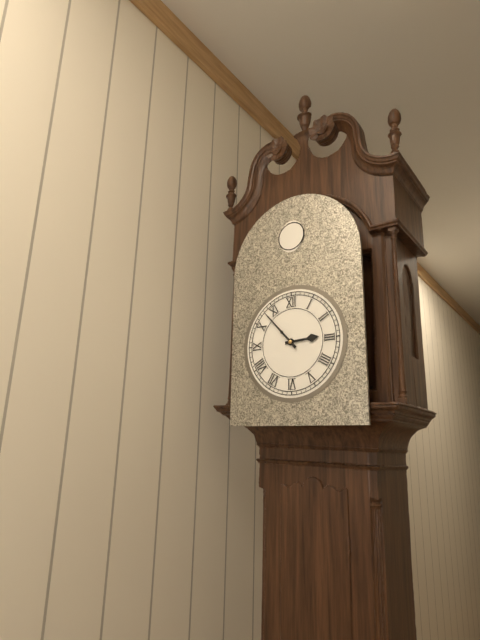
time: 2:53
